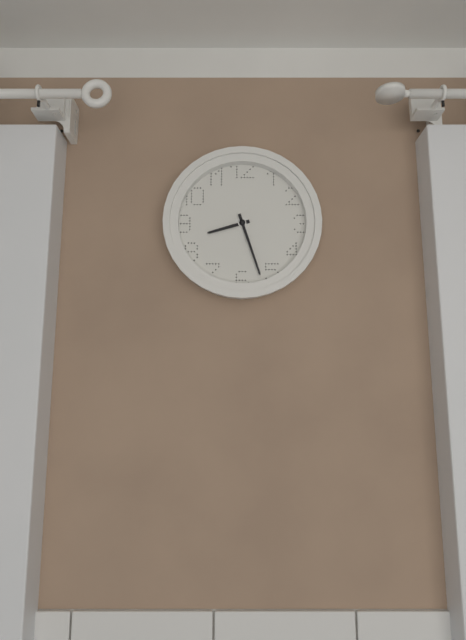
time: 8:27
